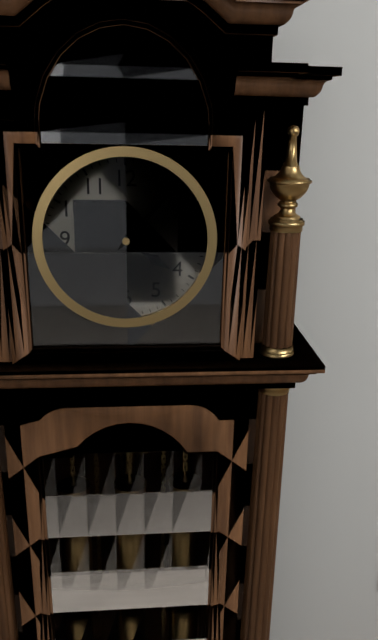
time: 4:07
